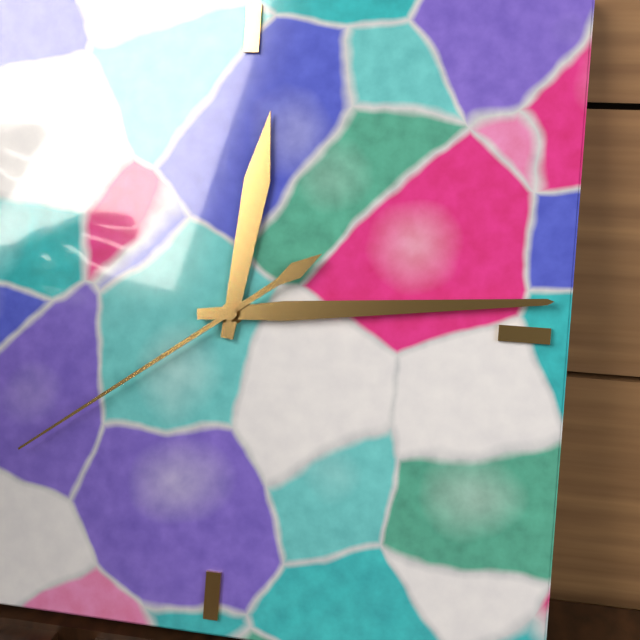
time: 12:14:39
